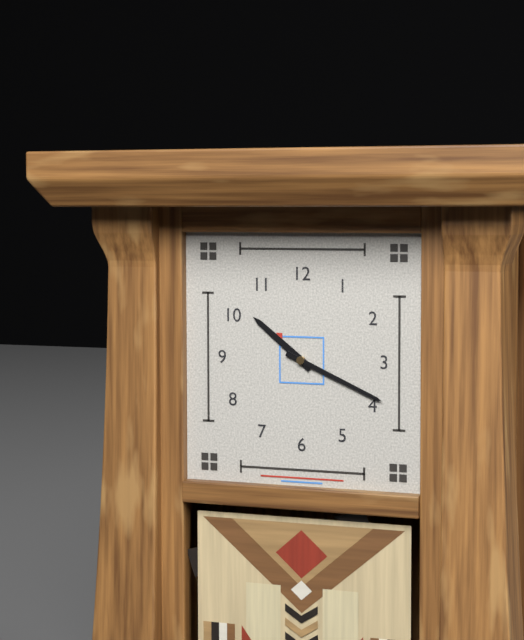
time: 10:19
